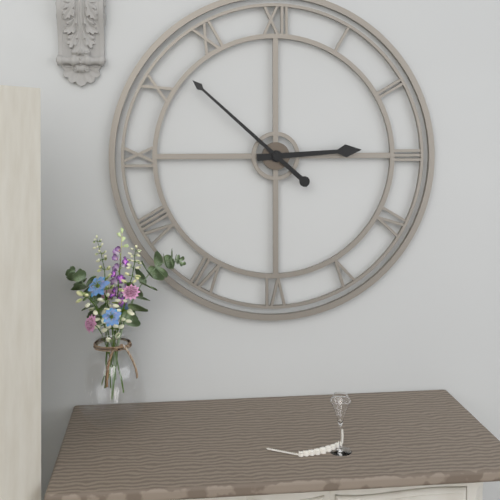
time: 2:52
